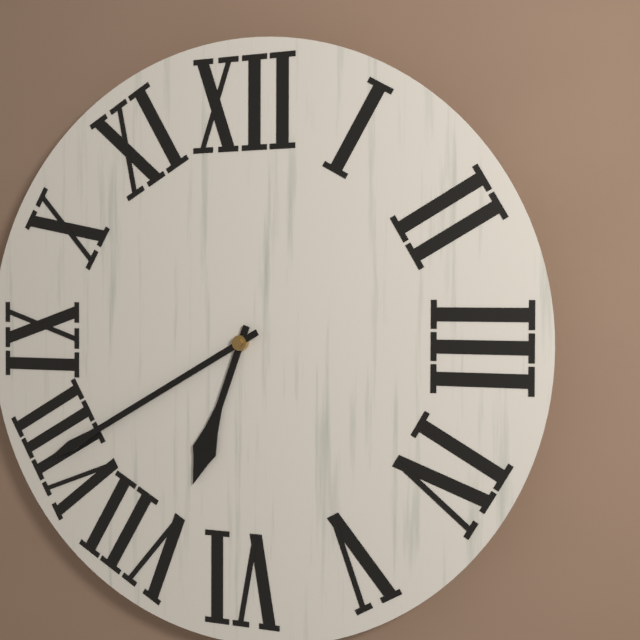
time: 6:40
